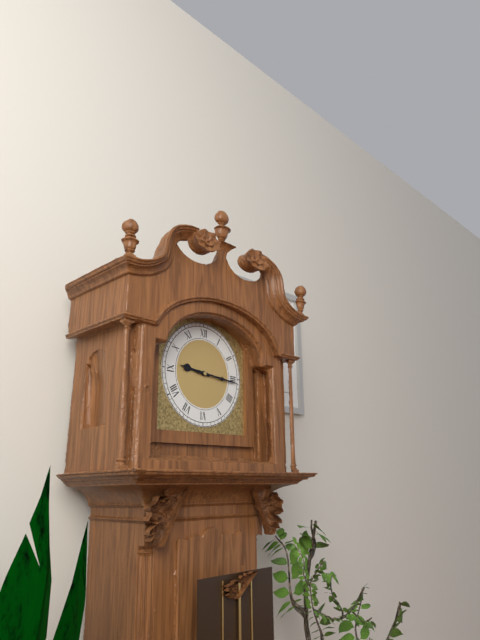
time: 9:16
